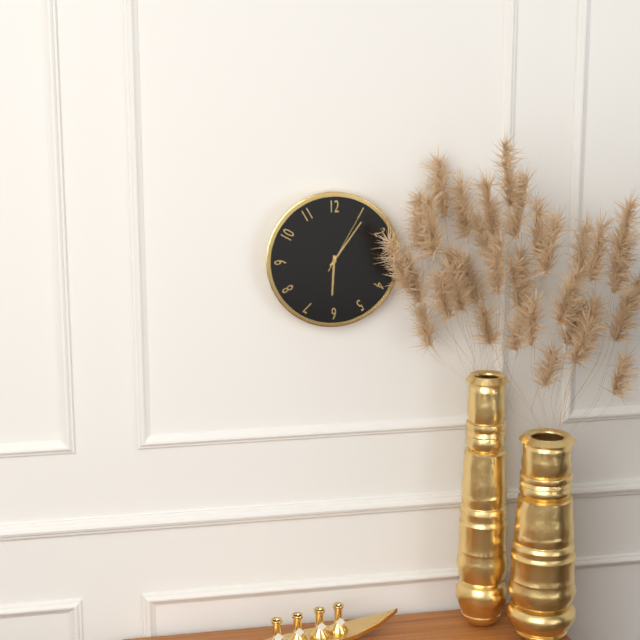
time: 6:06:05
